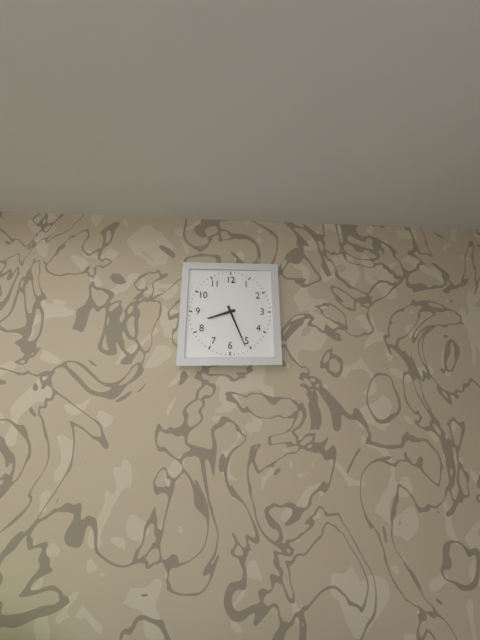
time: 8:26
